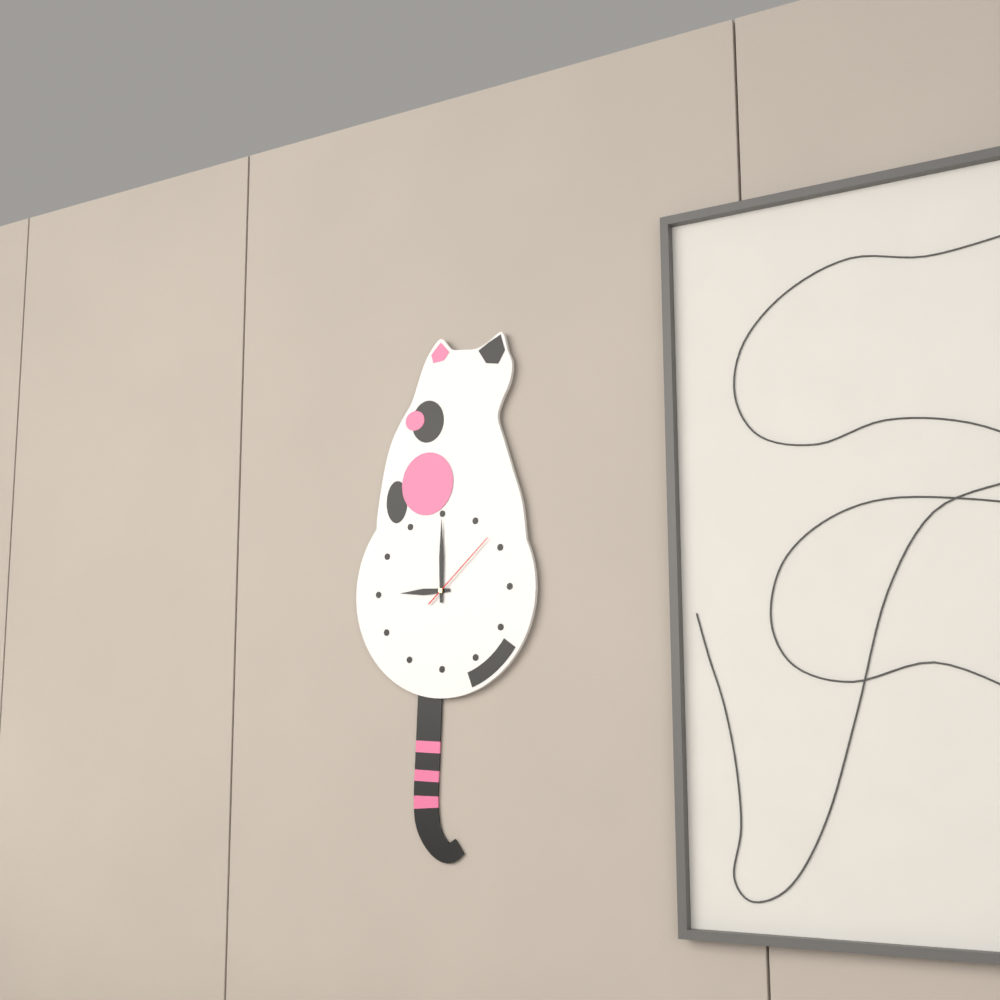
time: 9:00:08
